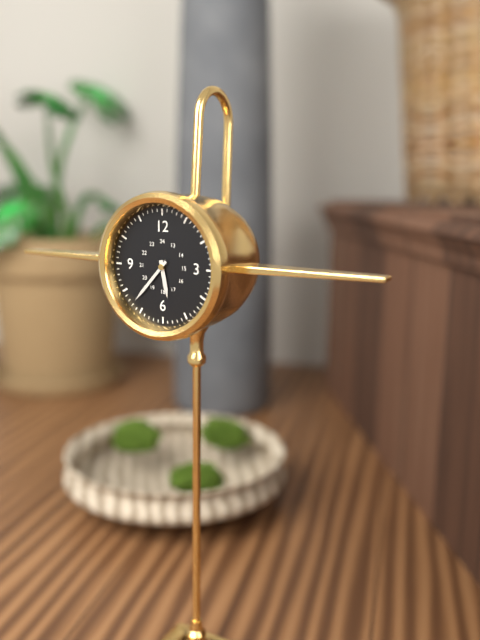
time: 5:37
